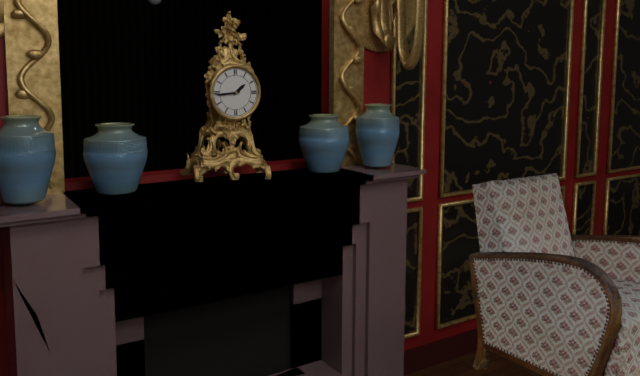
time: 1:44
